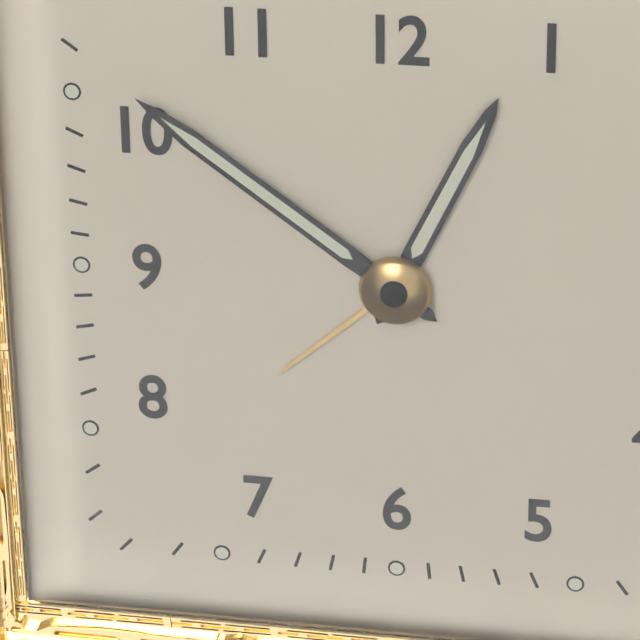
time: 12:51
